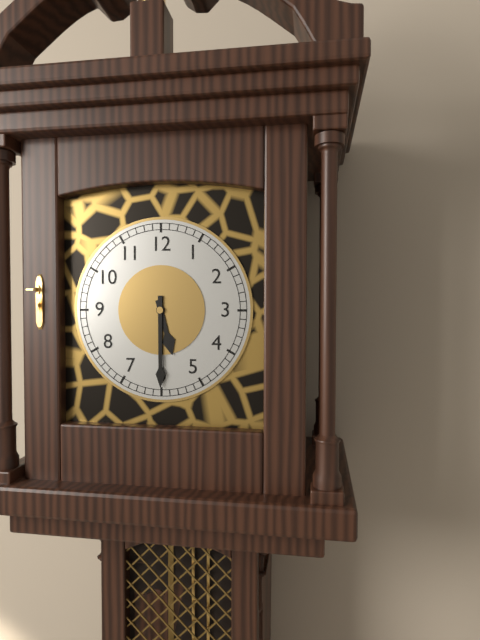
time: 5:30
